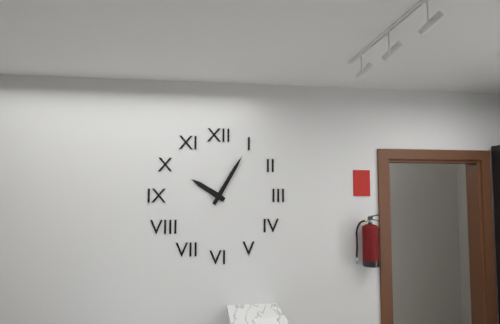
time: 10:05
